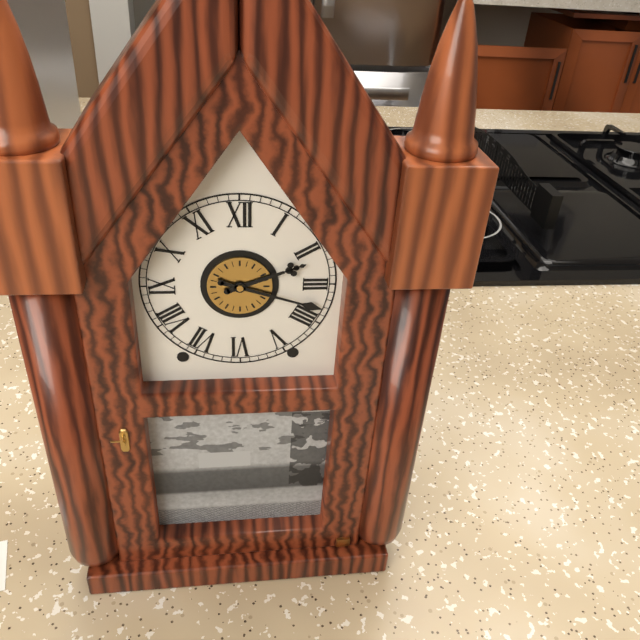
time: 2:18
